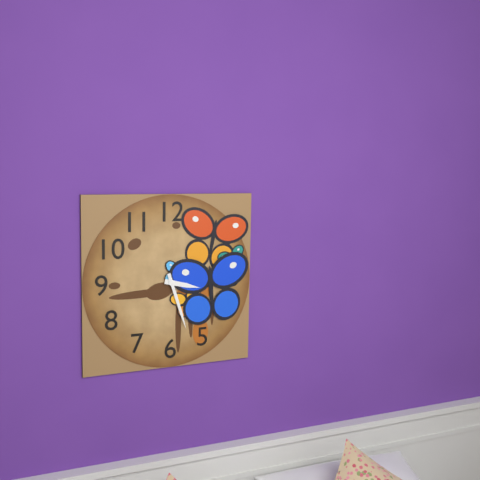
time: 3:27
